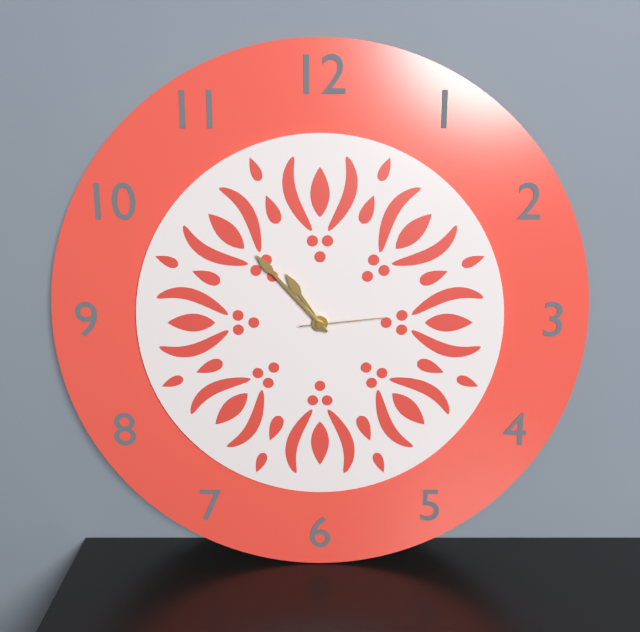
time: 10:53:14
